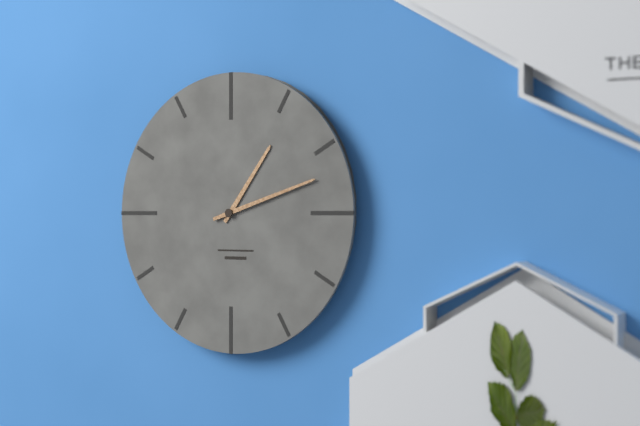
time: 1:12
